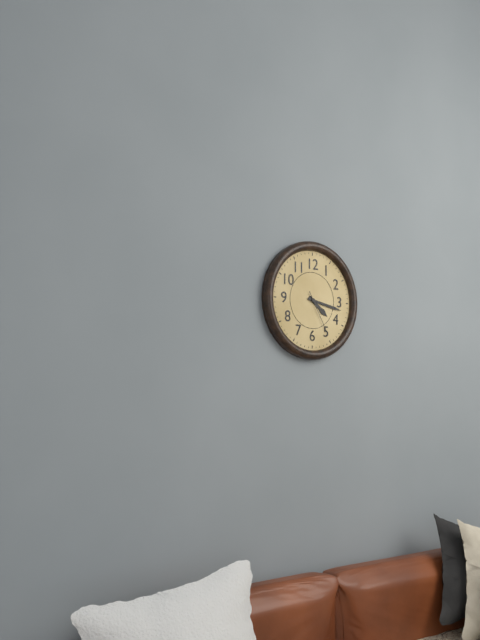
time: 4:17
